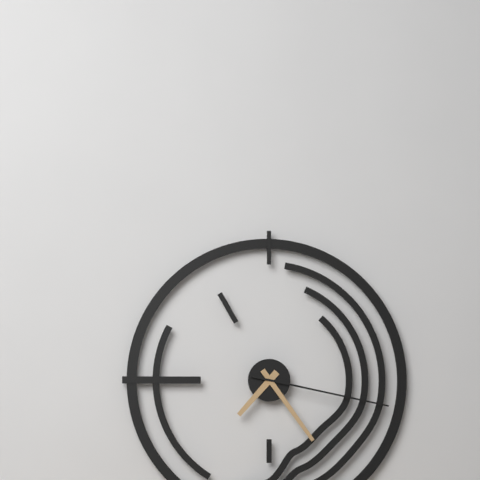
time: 7:24:17
